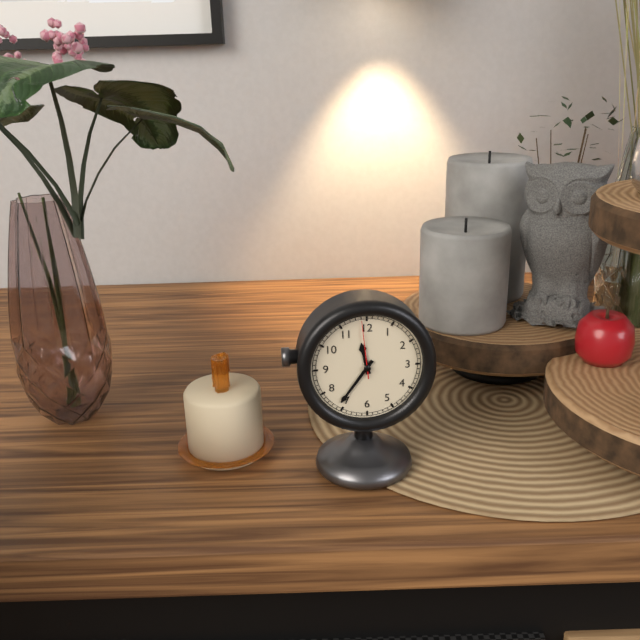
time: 11:36:59
